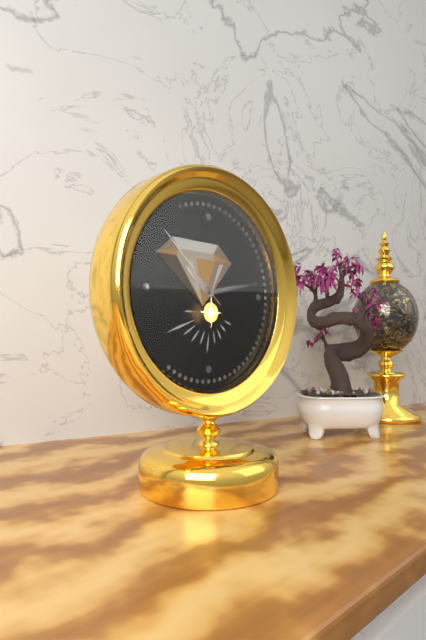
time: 10:13:52
